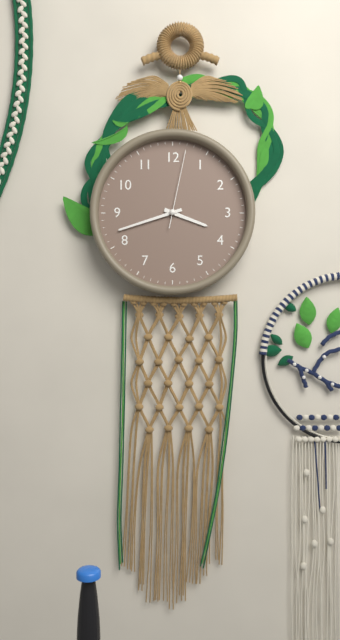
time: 3:42:02
